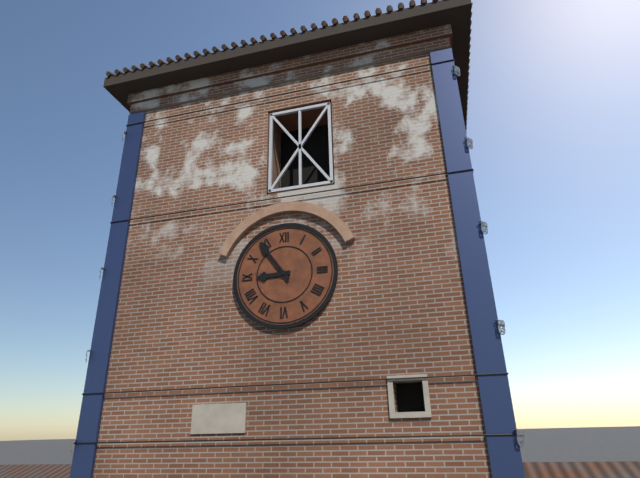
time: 8:54
